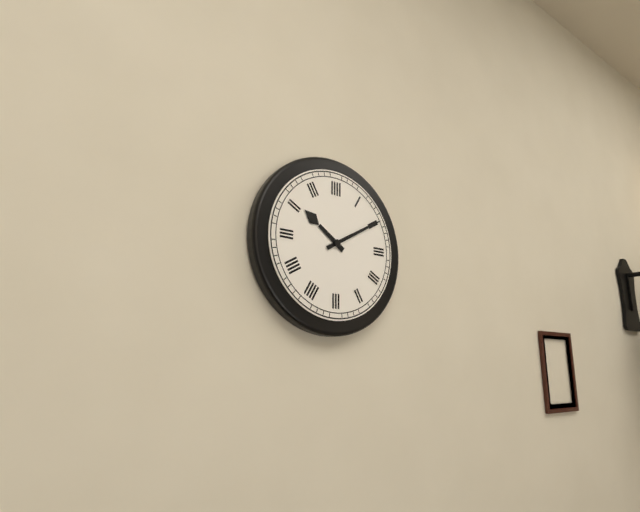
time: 10:10
